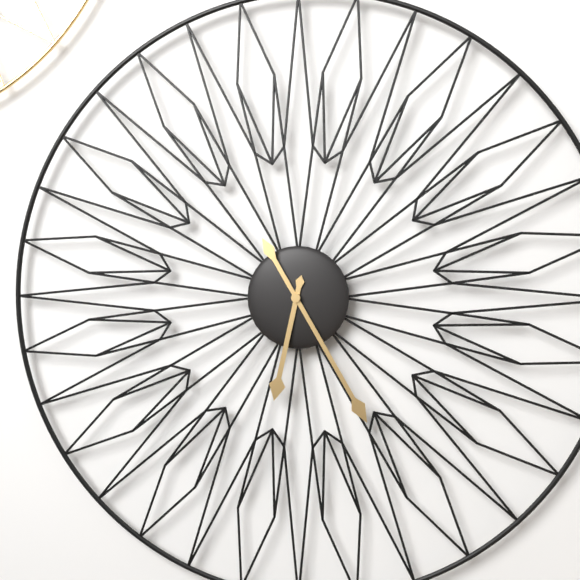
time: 6:25
